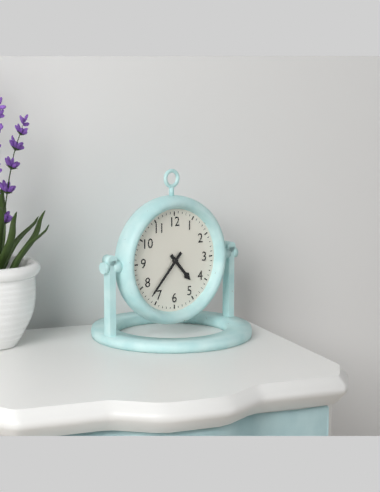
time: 4:37
